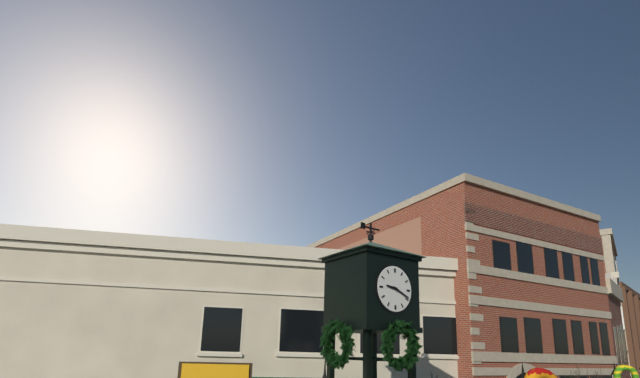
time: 9:19
